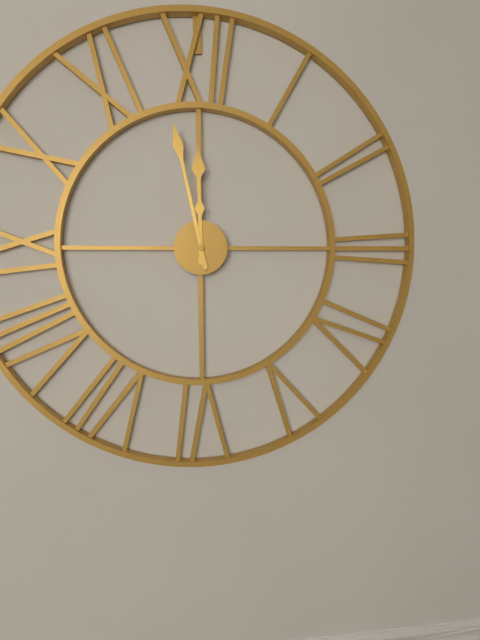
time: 11:58
